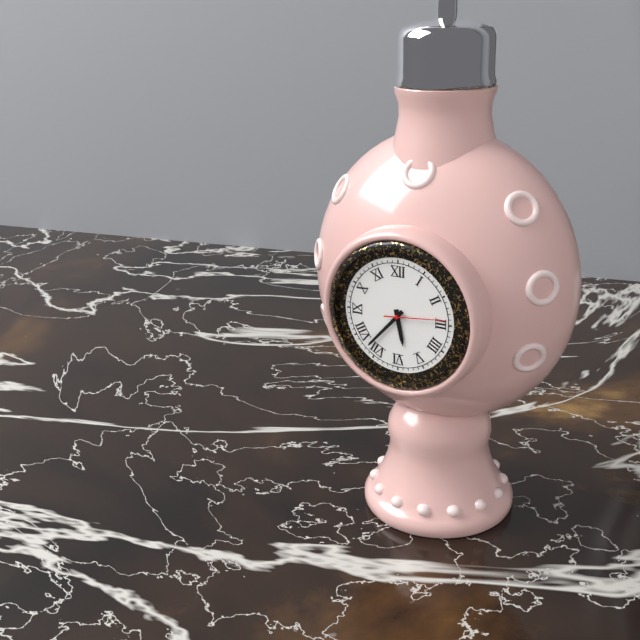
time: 5:37:14
